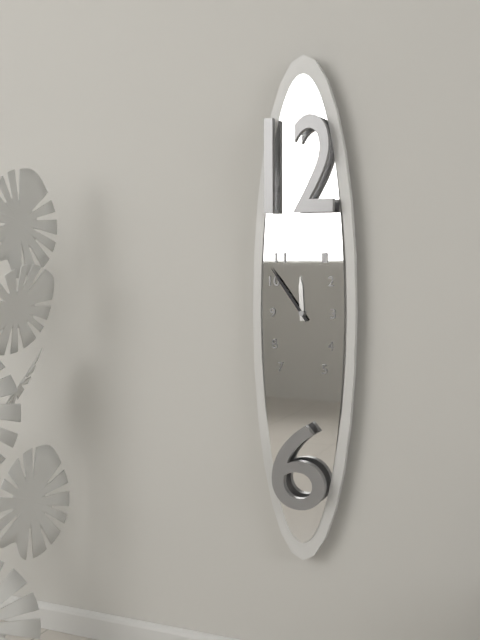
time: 11:54
